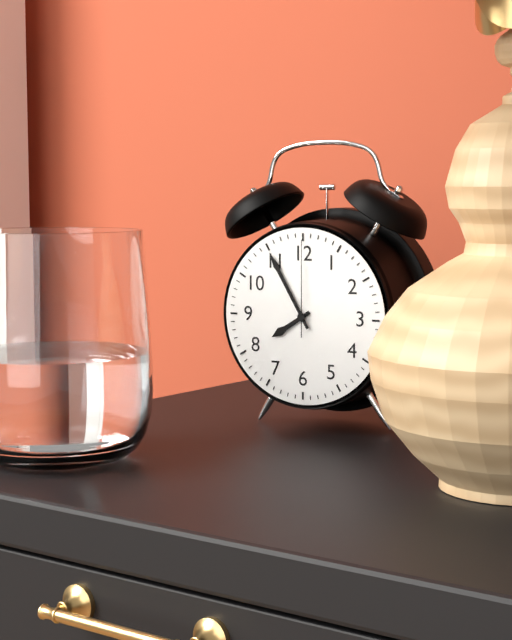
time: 7:55:00
